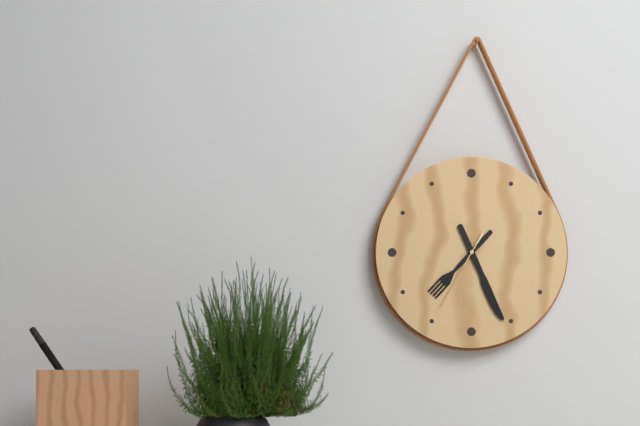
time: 7:26:35
